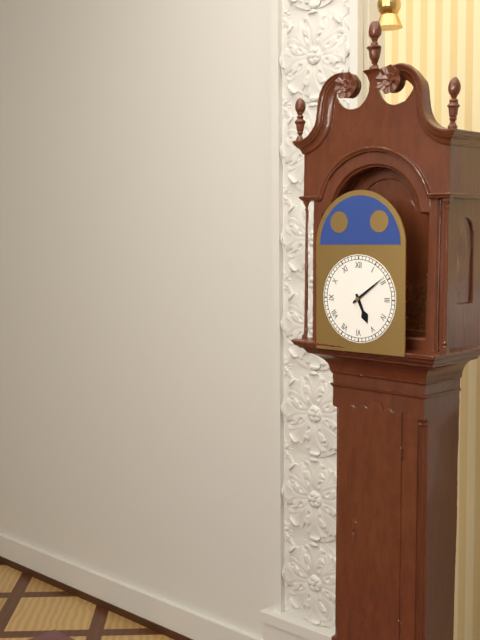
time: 5:09
